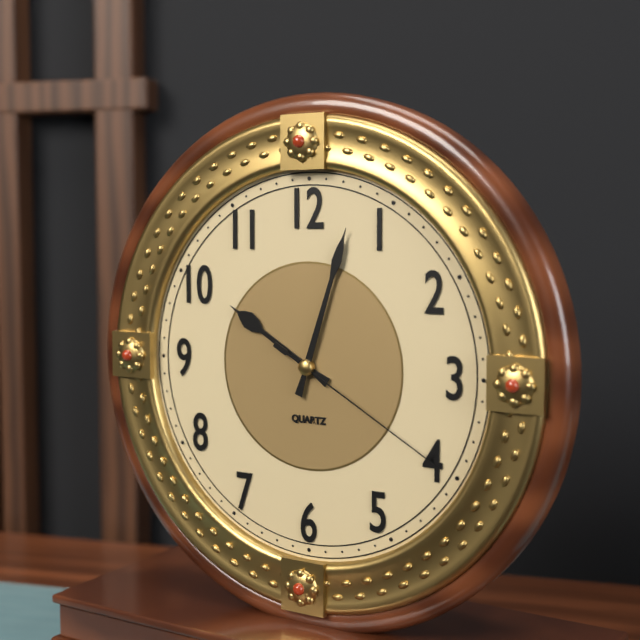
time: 10:03:20
